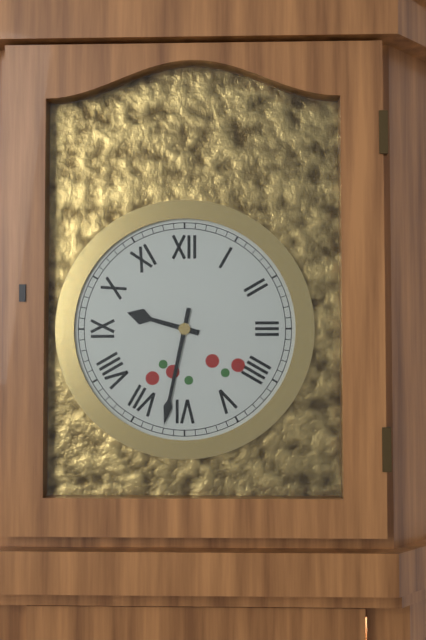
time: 9:32
